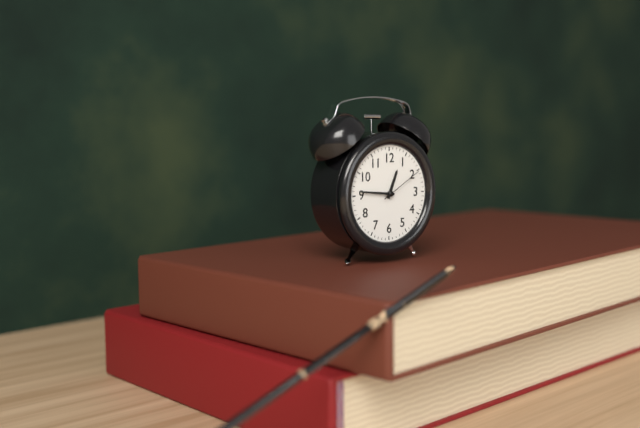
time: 12:46
